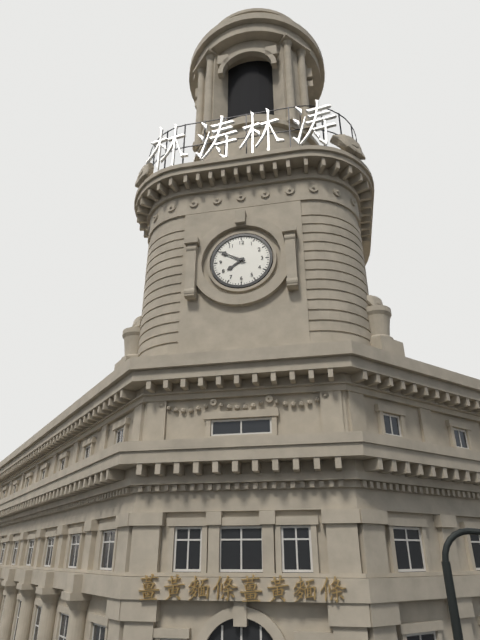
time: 7:50
